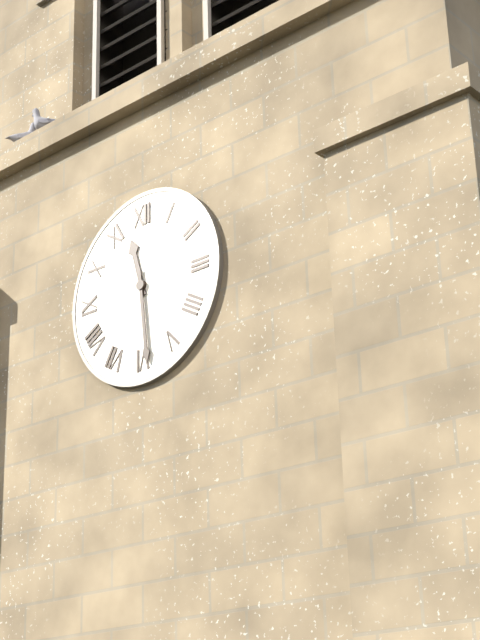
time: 11:29
